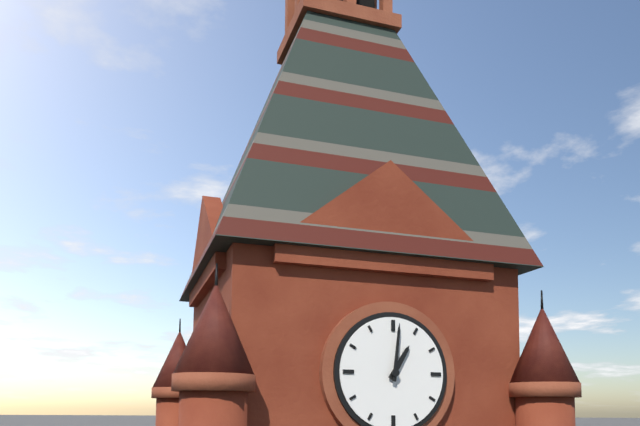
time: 1:01
